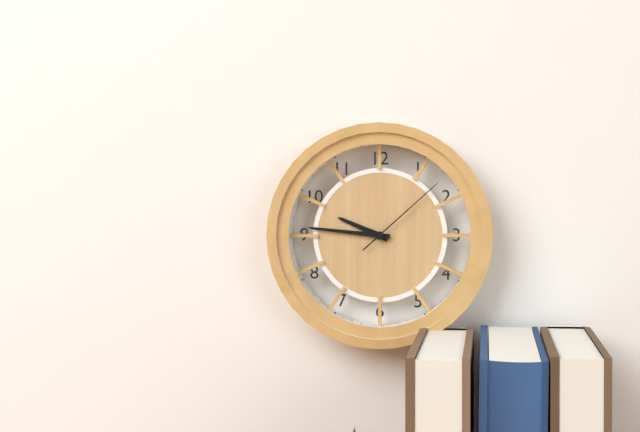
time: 9:46:08
